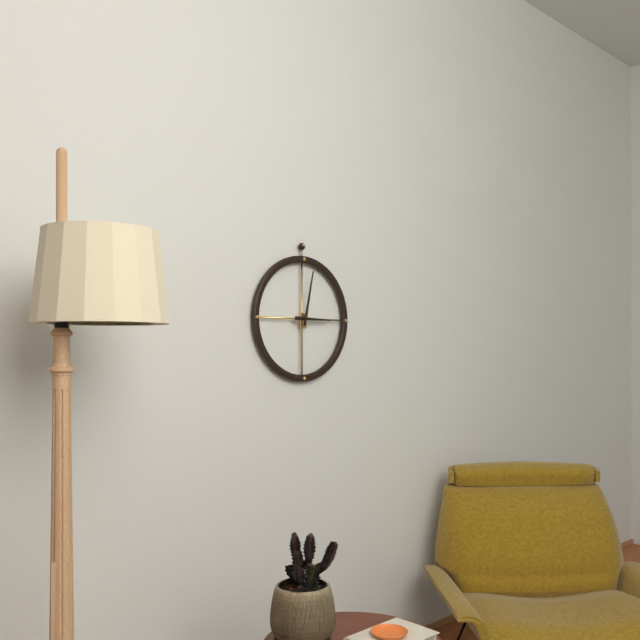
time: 3:02
